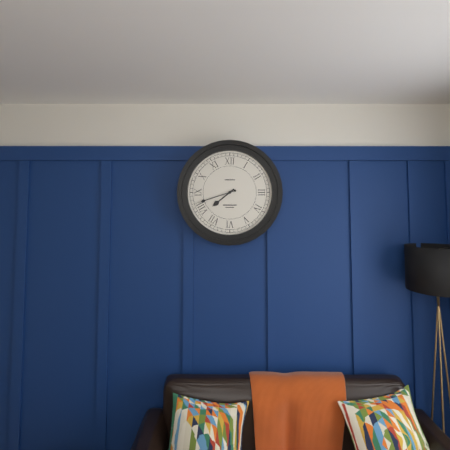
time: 7:42
